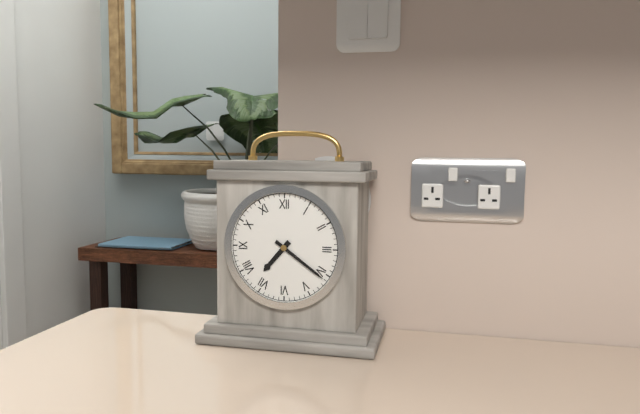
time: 7:21
